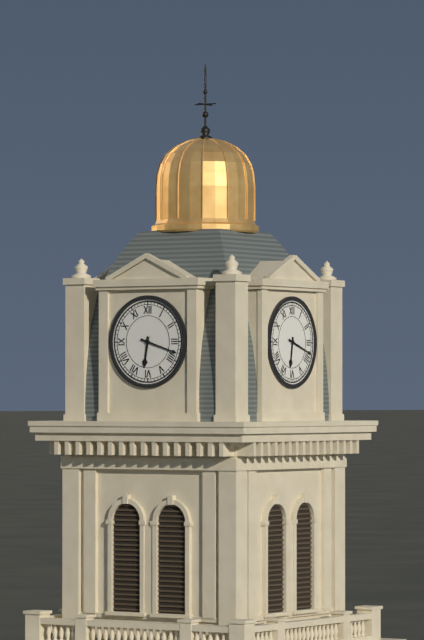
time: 6:18
